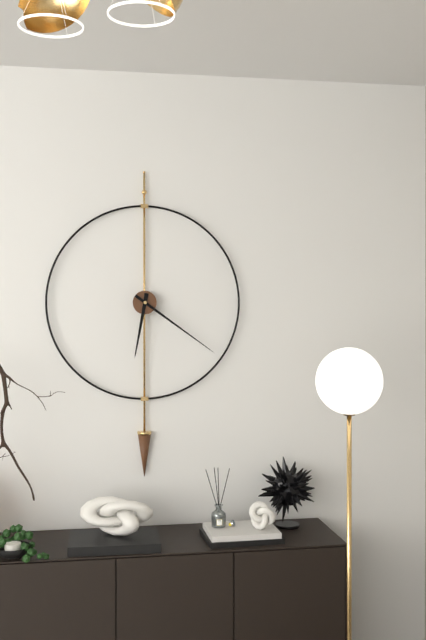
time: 6:21
